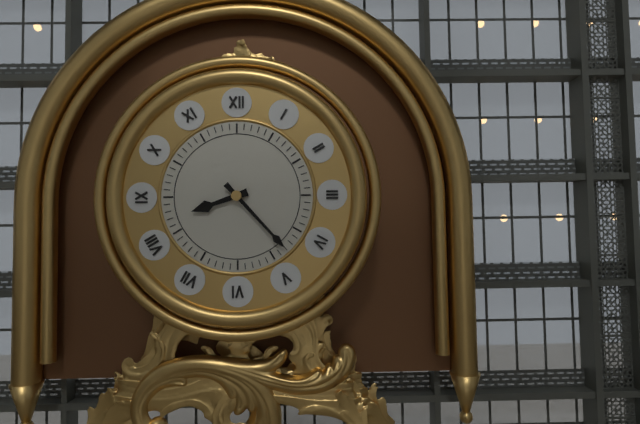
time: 8:23
